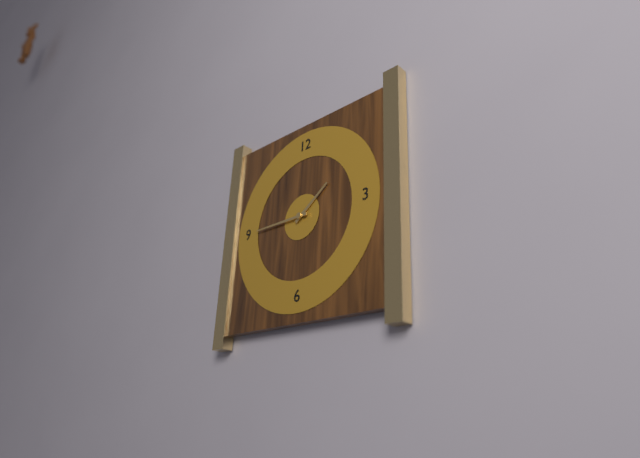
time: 1:45
